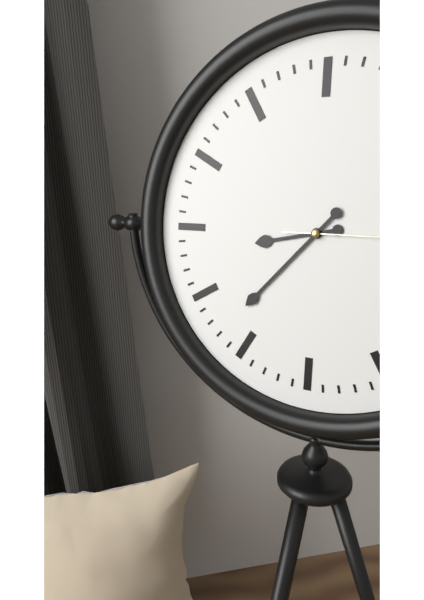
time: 8:37
